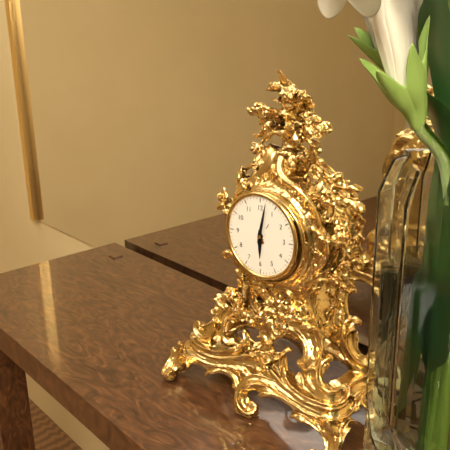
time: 6:02
